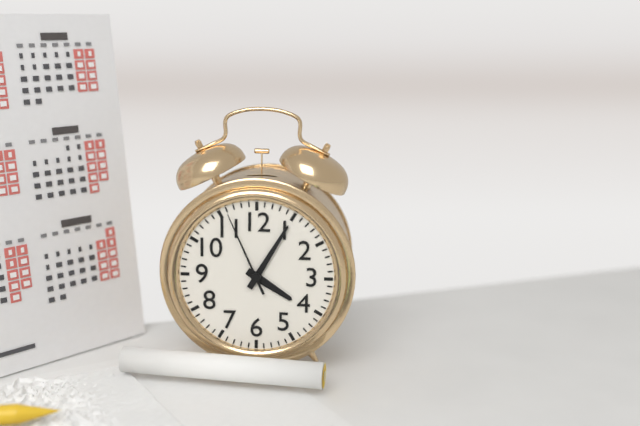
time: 4:05:56
